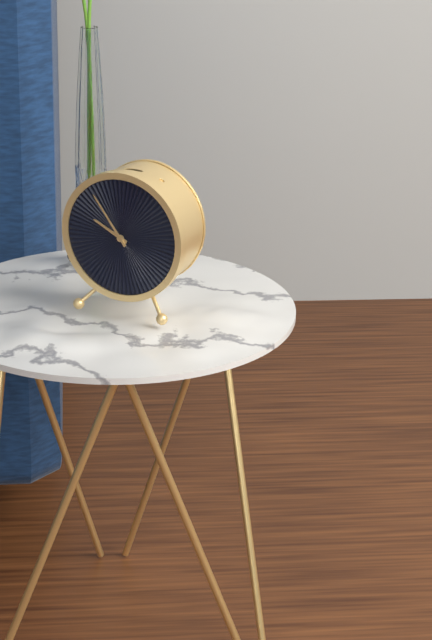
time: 9:54
